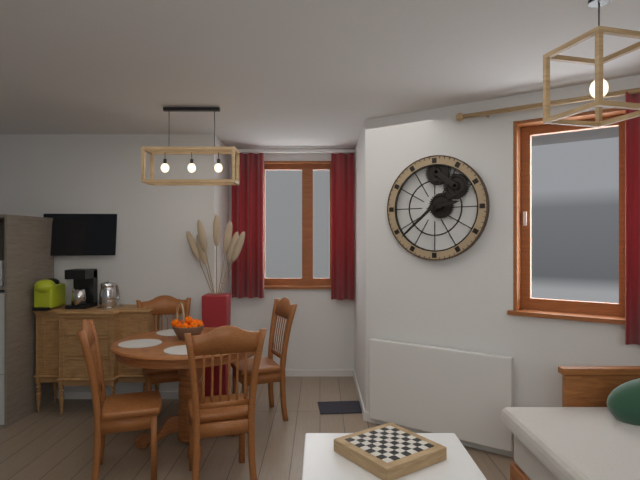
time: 2:38
